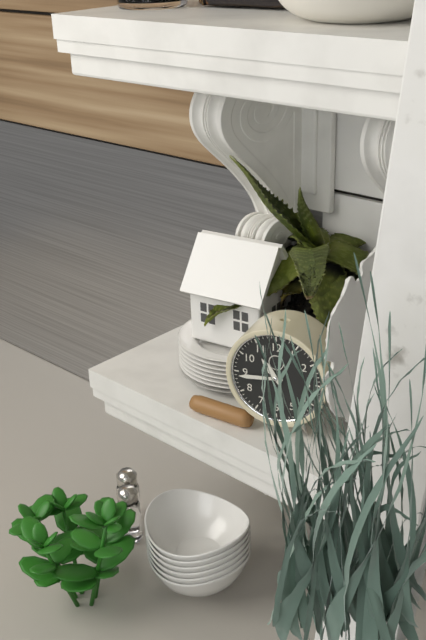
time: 10:44
